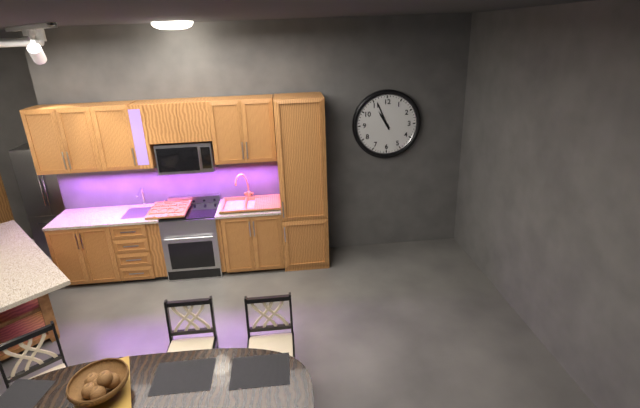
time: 10:56
